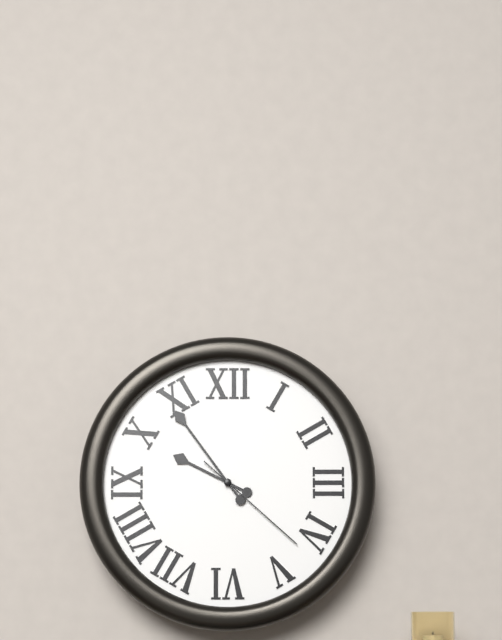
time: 9:54:22
